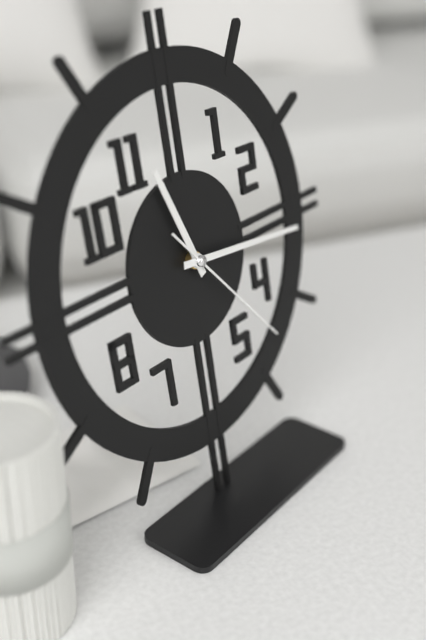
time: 11:16:23
